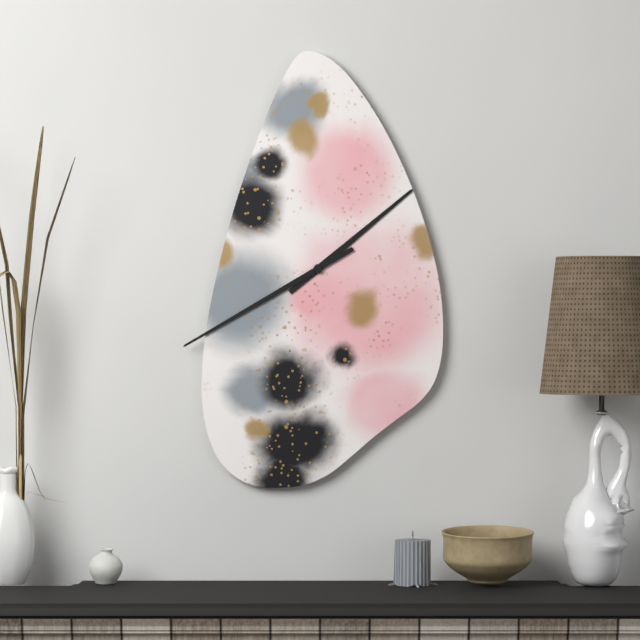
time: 1:40
